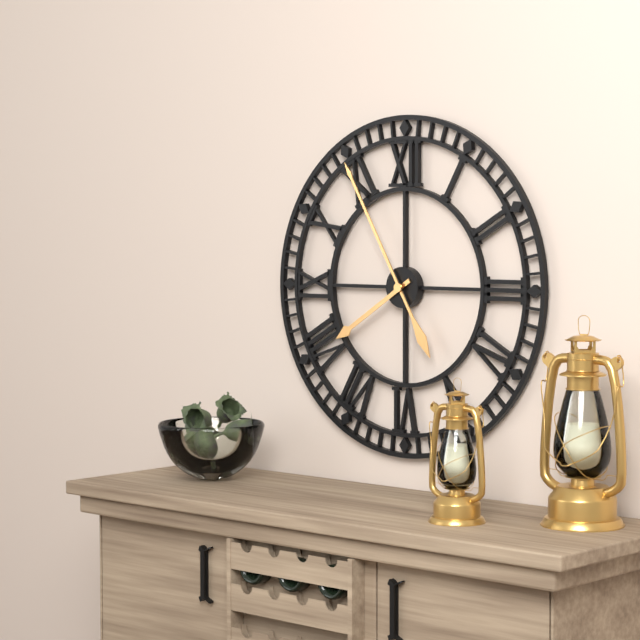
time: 7:55
